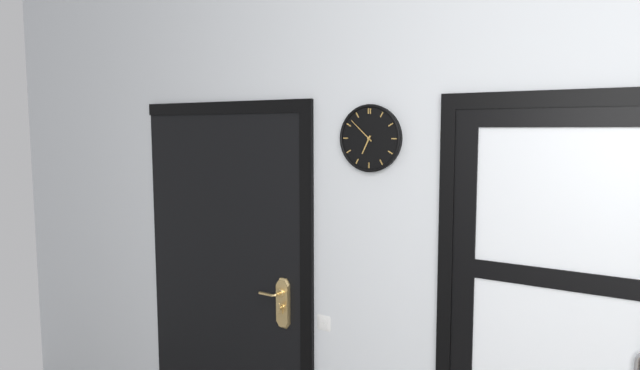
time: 6:52
